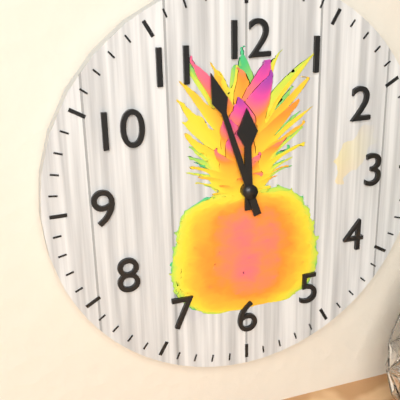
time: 11:57
